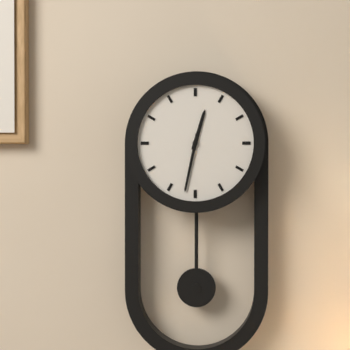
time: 12:32
